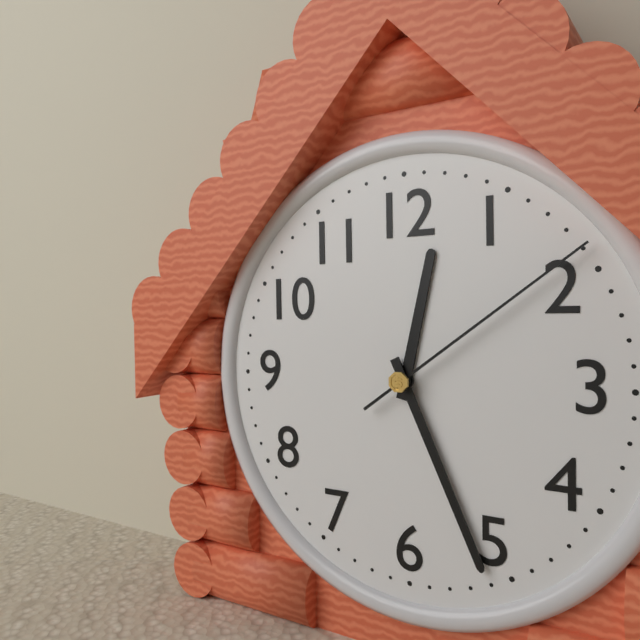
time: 12:26:09
